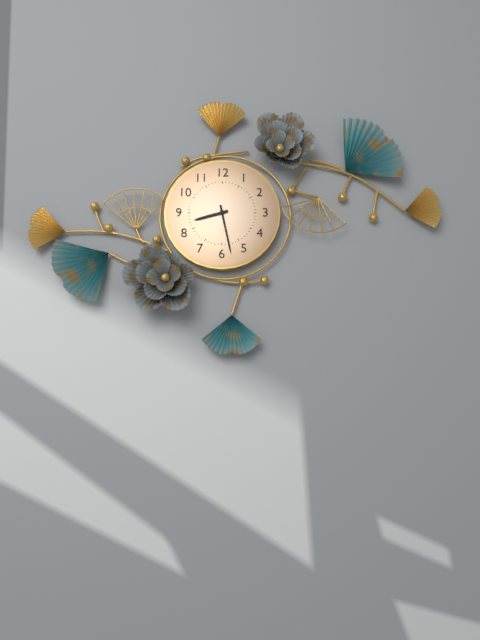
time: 8:28
